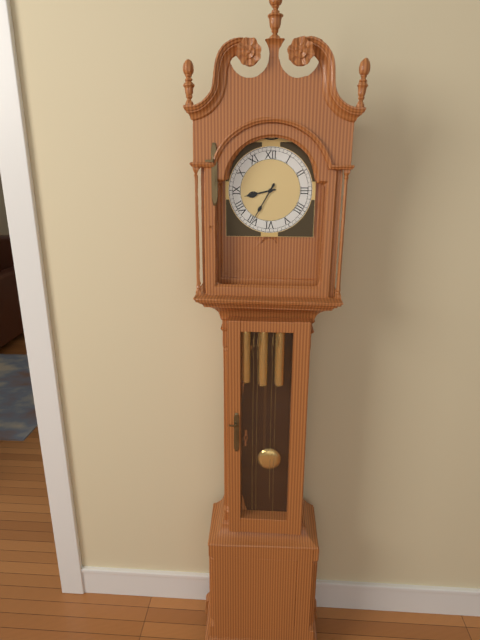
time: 8:35
